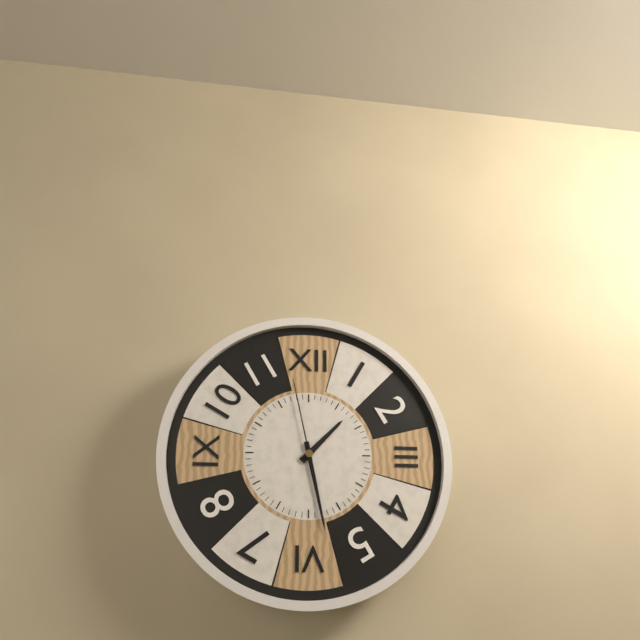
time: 1:28:58
